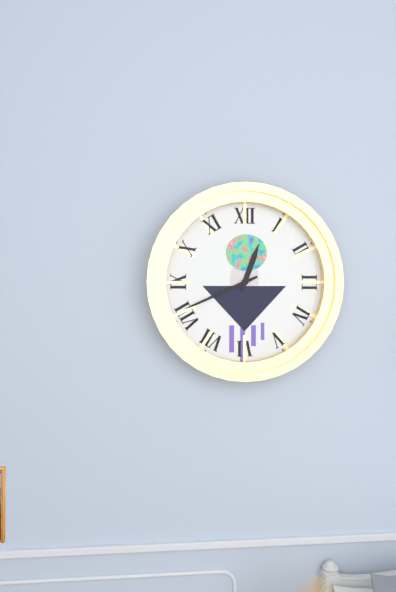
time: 12:41
